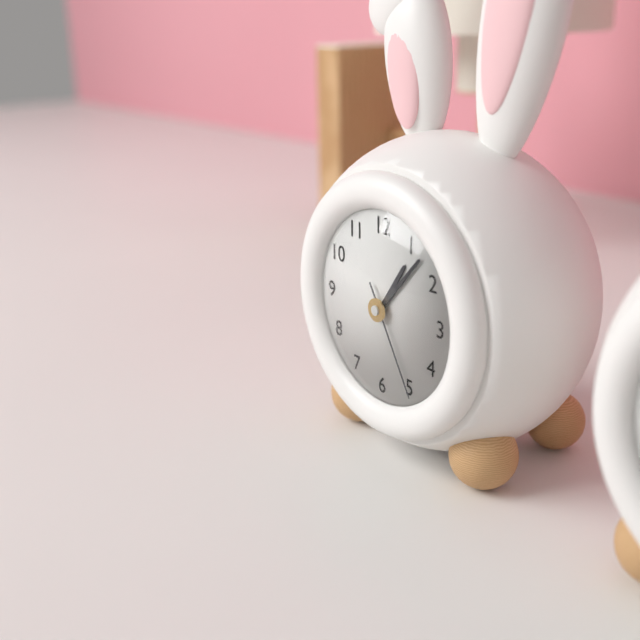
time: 1:07:25
